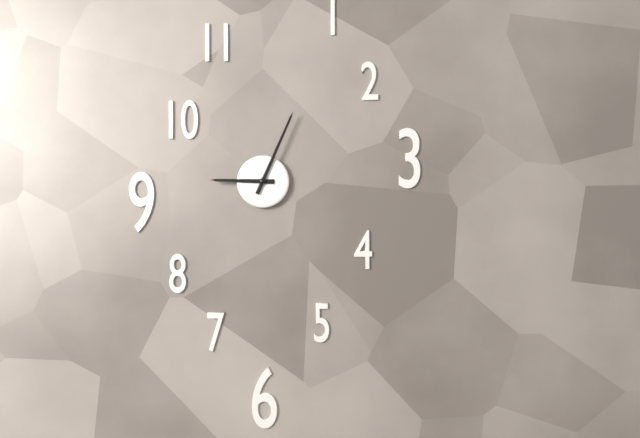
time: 9:04
